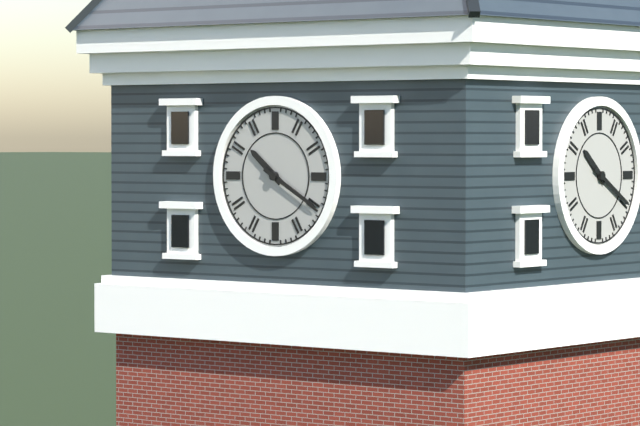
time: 10:20
